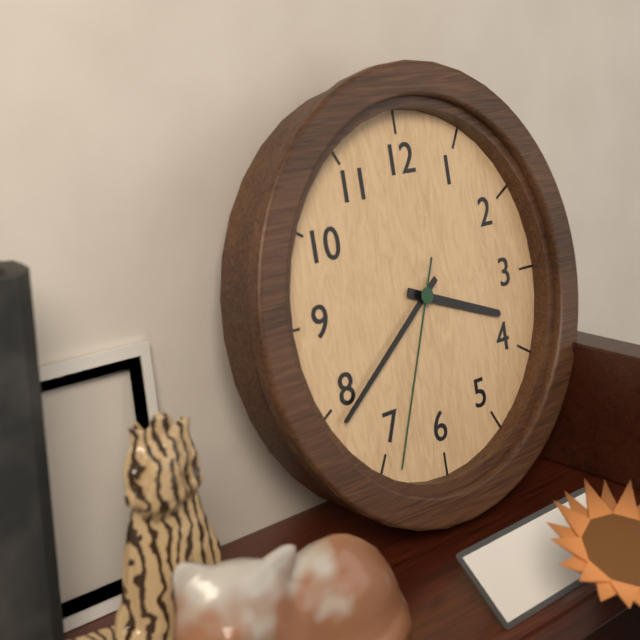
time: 3:39:34
